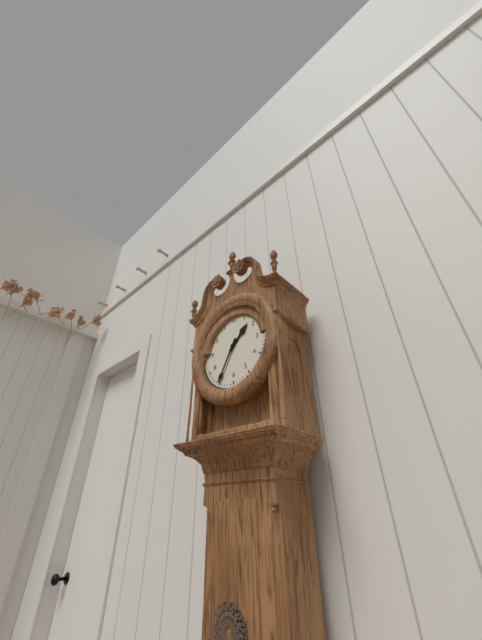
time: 1:35
